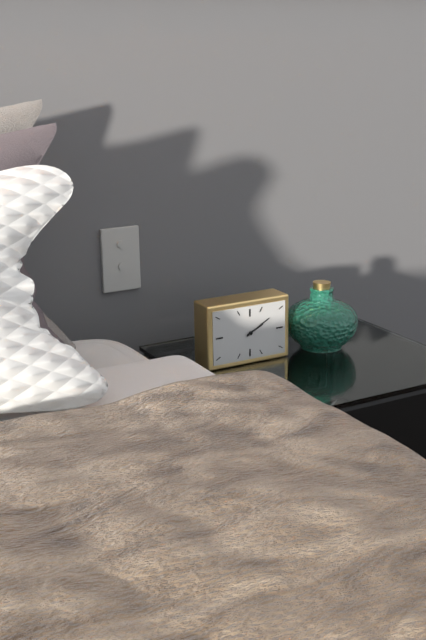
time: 2:10
